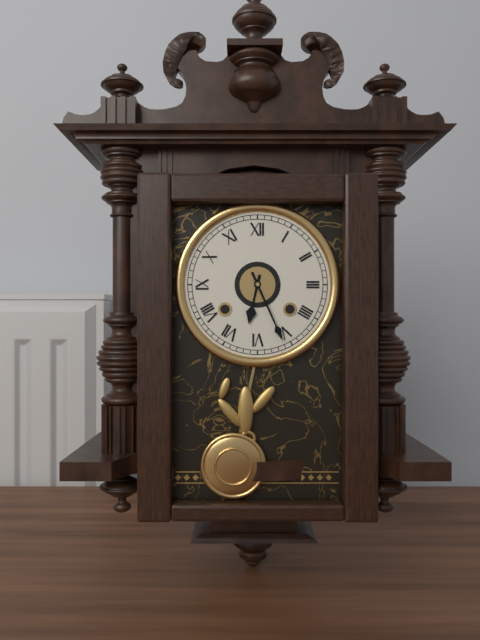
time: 6:26
